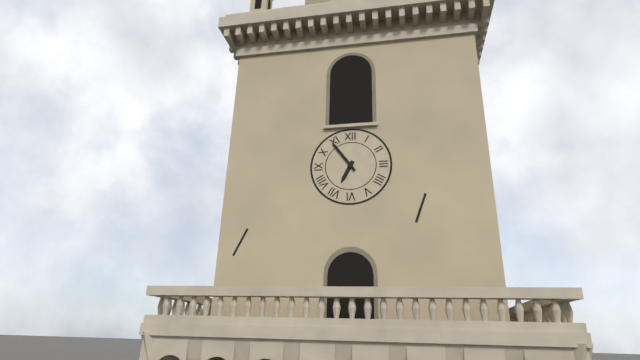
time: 6:54
